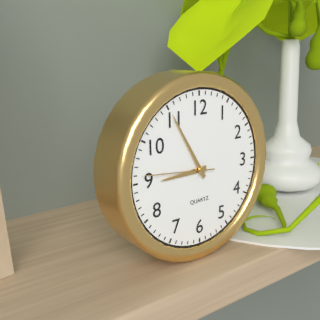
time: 8:55:46
